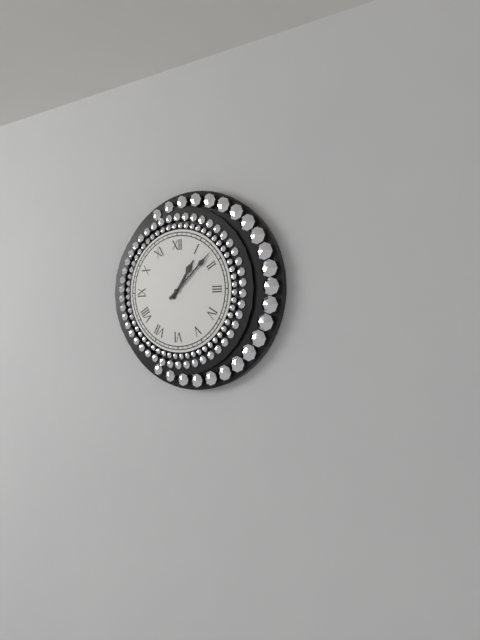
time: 1:08
